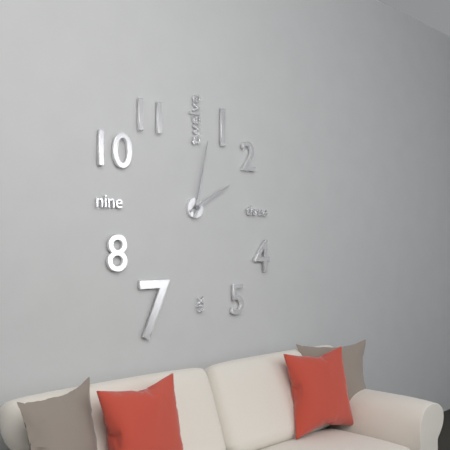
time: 2:02
